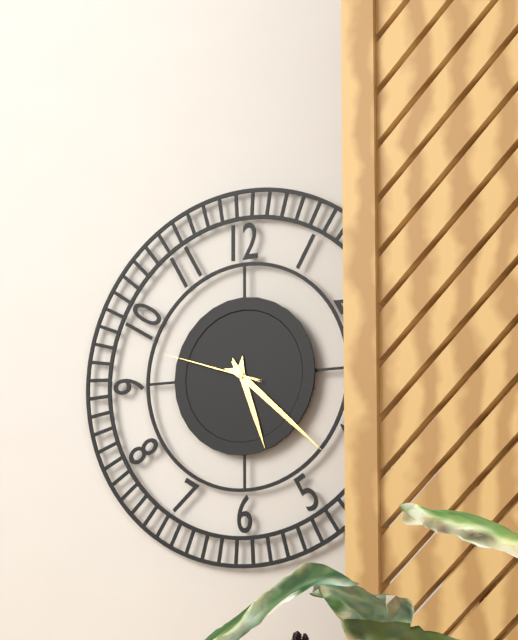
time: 5:22:48
